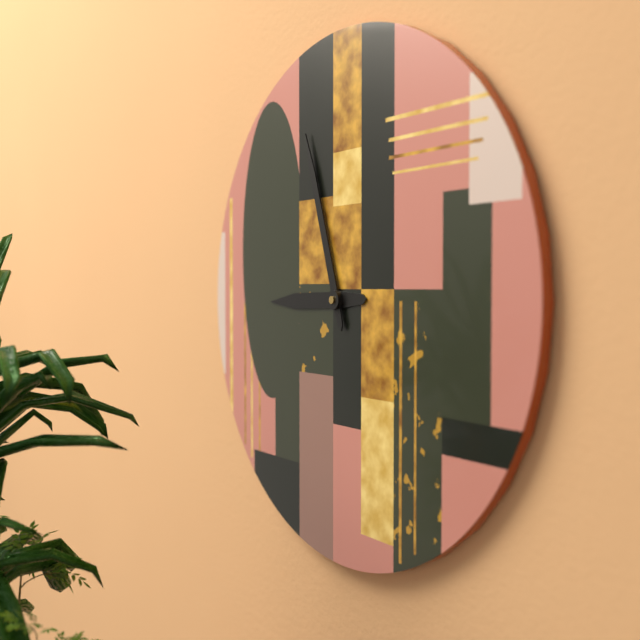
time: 8:57
